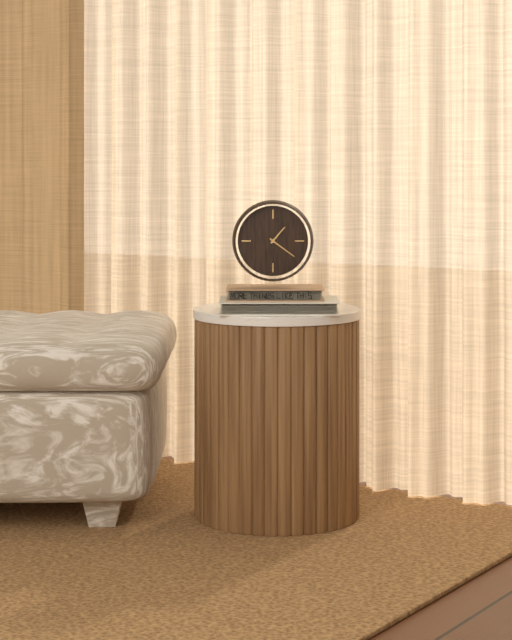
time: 1:21
